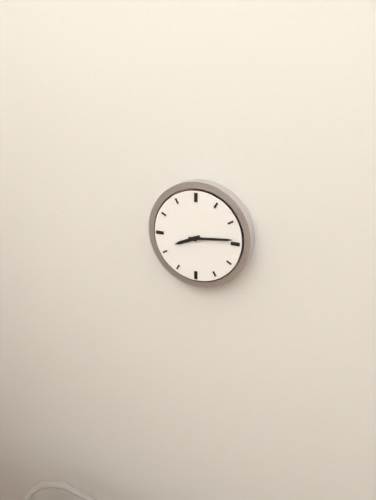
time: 8:14
